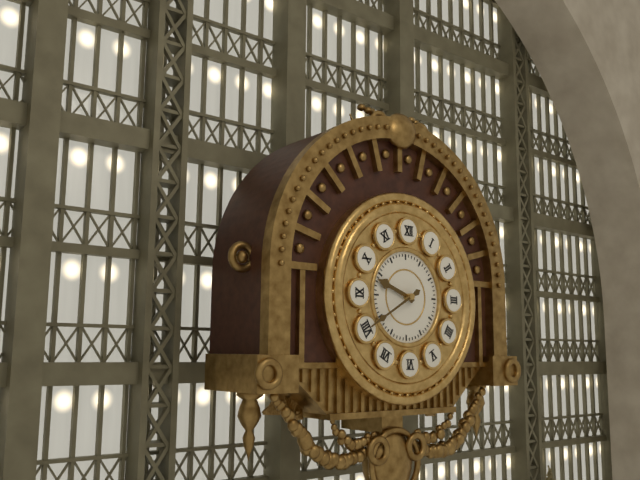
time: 9:40
